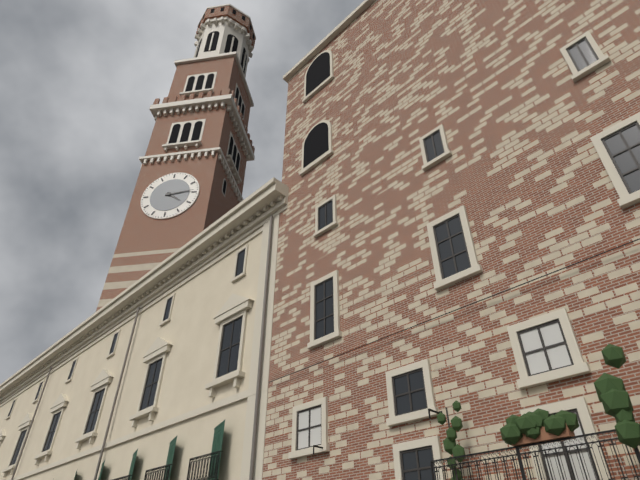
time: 4:14
